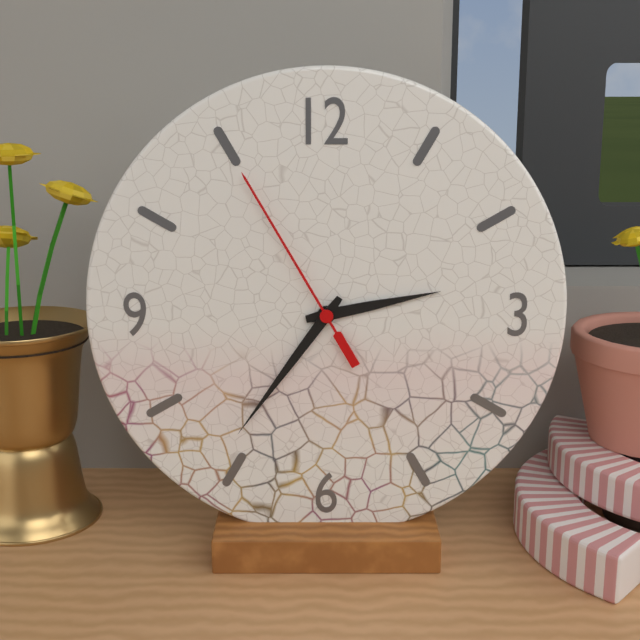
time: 2:36:55
